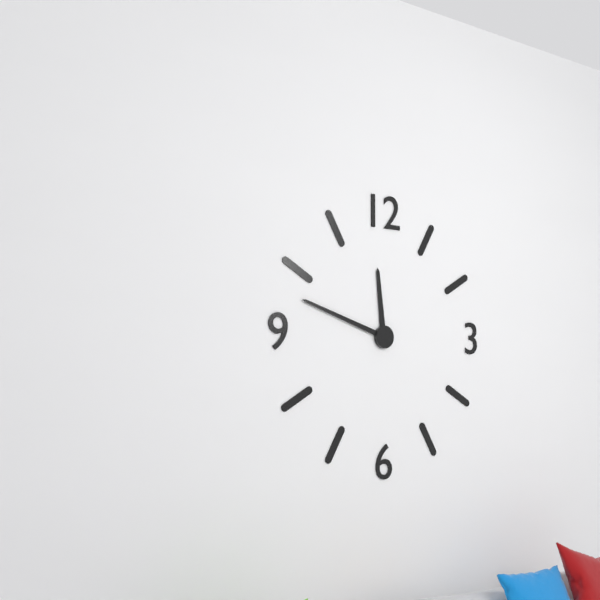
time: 11:48
